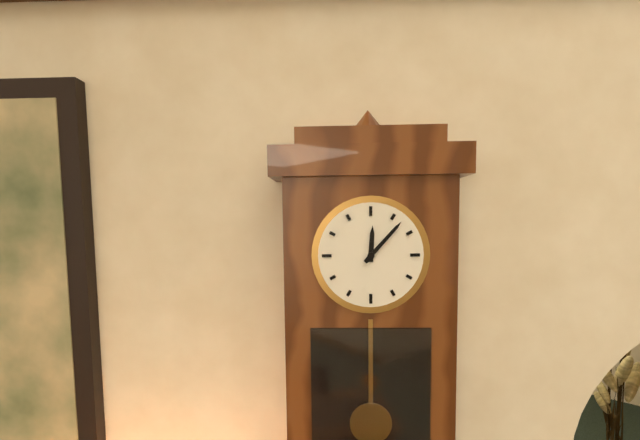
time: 12:07
